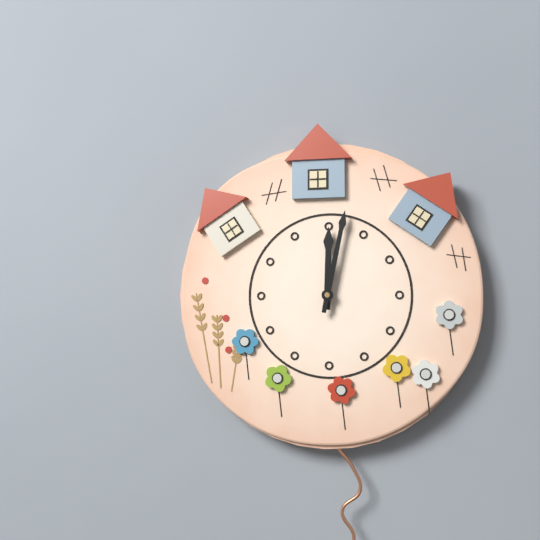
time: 12:02
